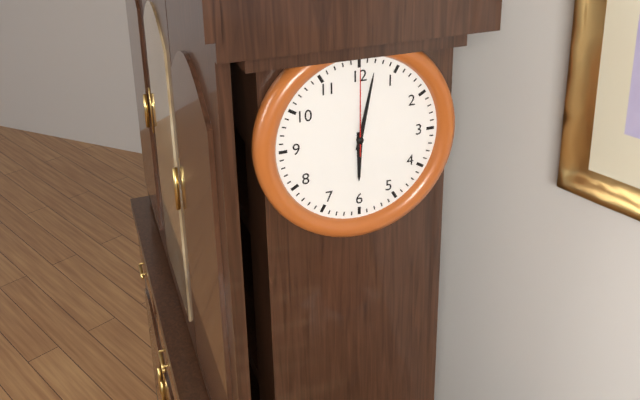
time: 6:02:00
